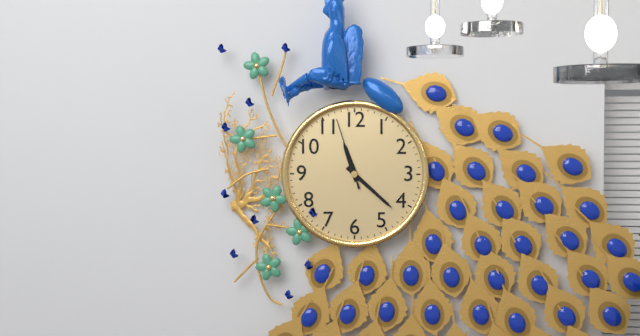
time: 11:22:57
